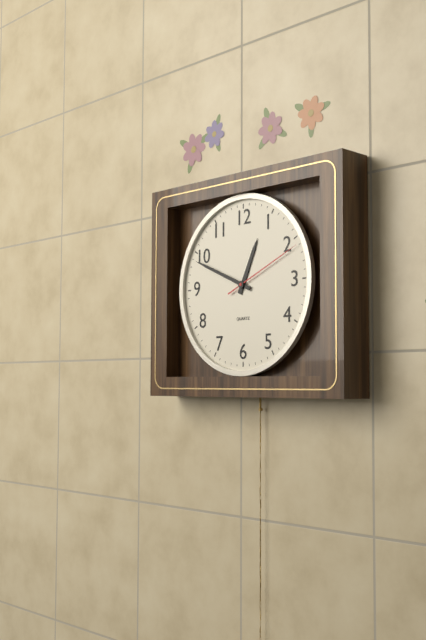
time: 12:49:11
